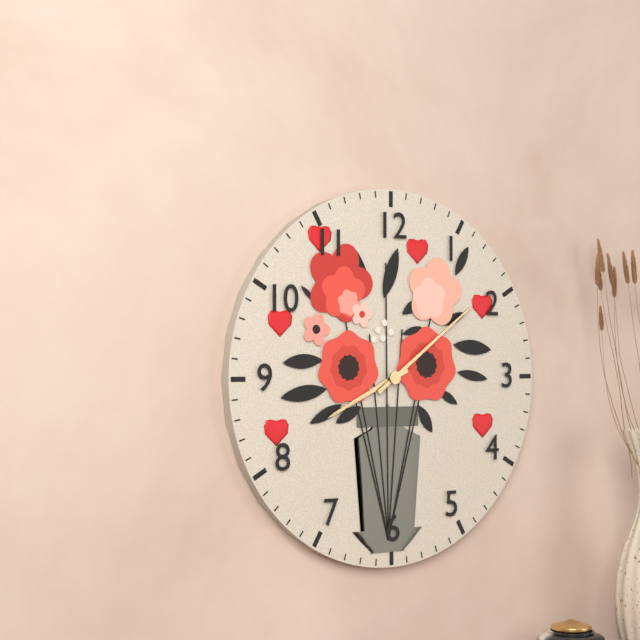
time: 8:09
